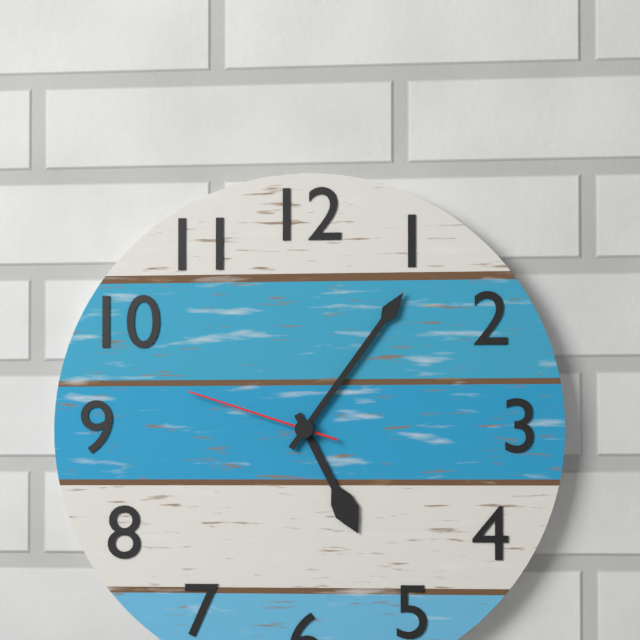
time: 5:06:48
